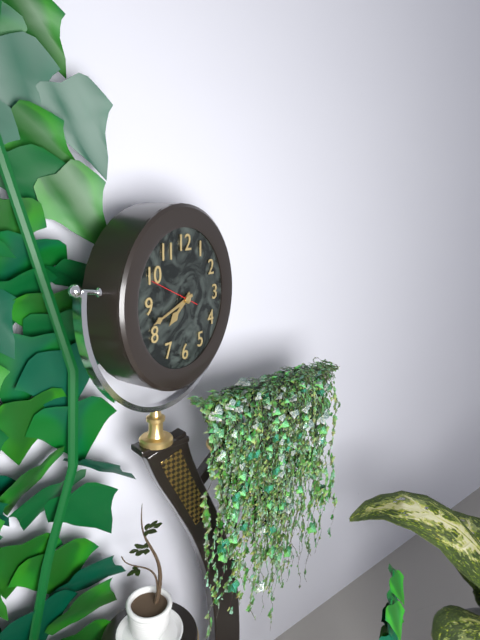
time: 7:42:49
